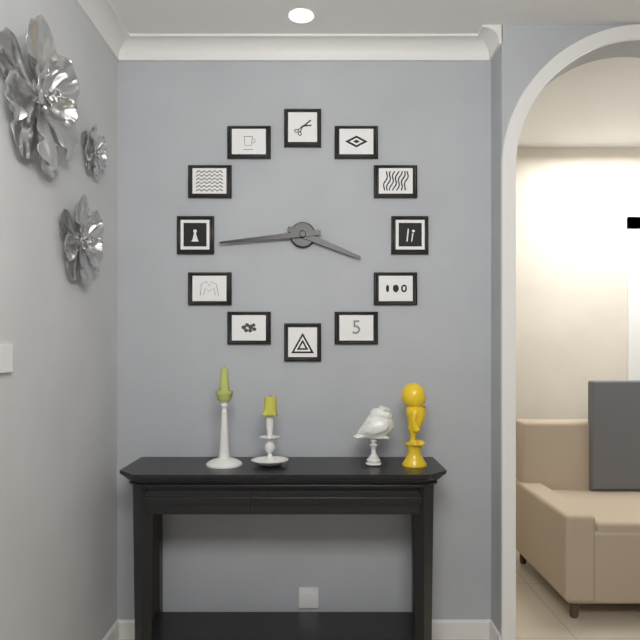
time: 3:44
